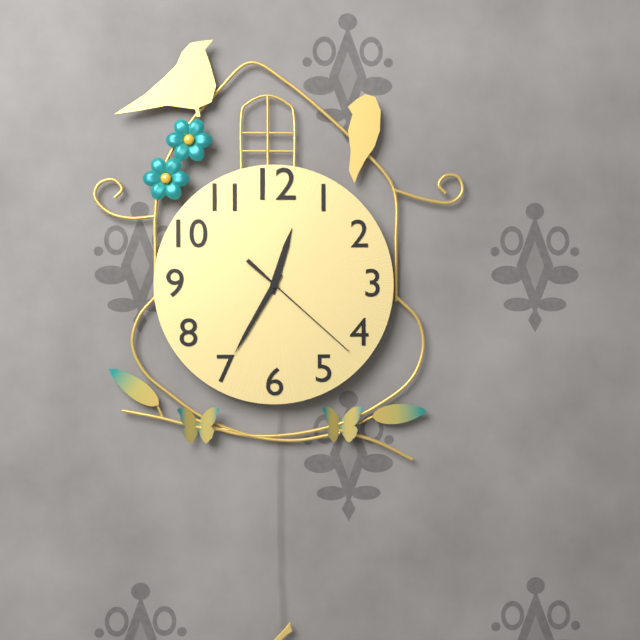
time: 12:35:22
